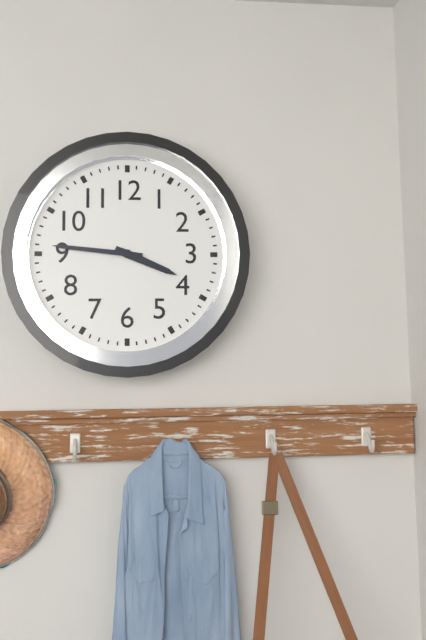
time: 3:46
